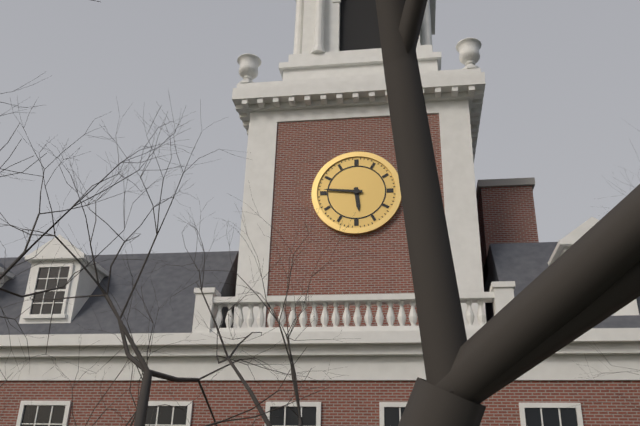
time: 5:46
